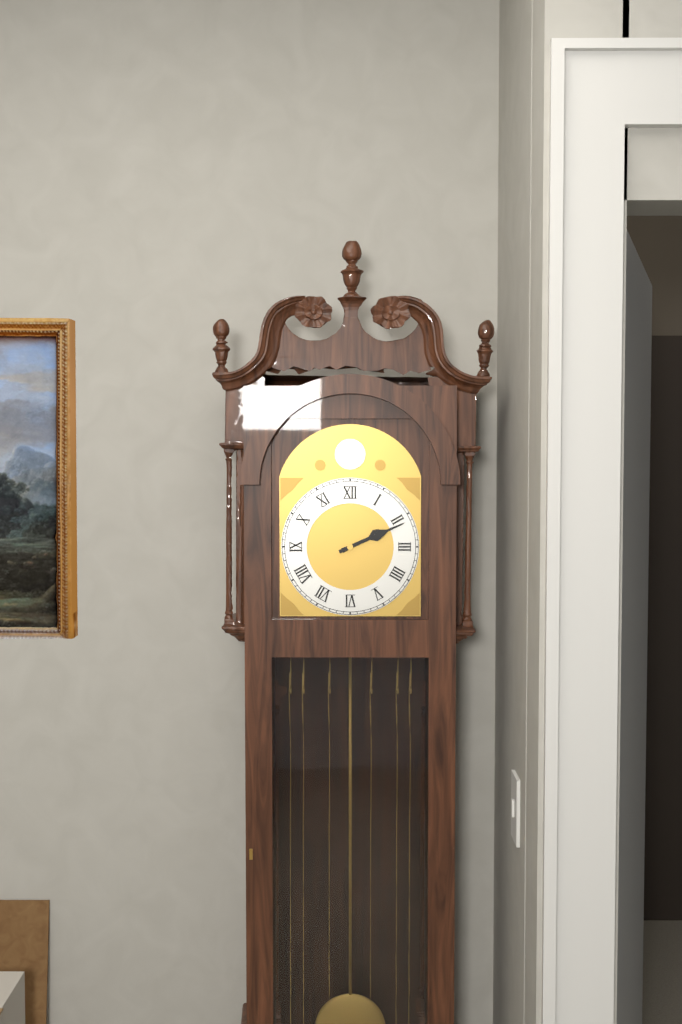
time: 2:11
